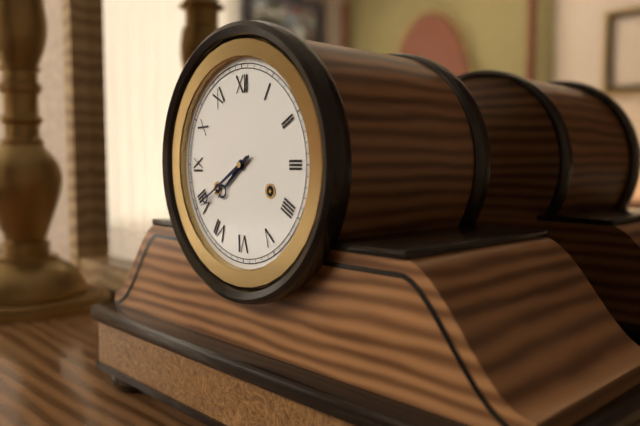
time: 7:40
